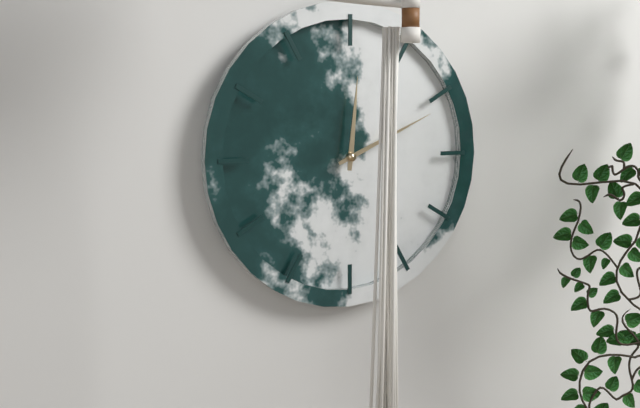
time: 12:11
